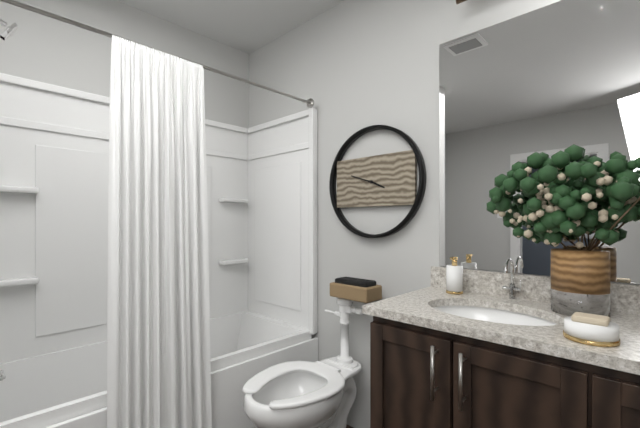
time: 3:48
